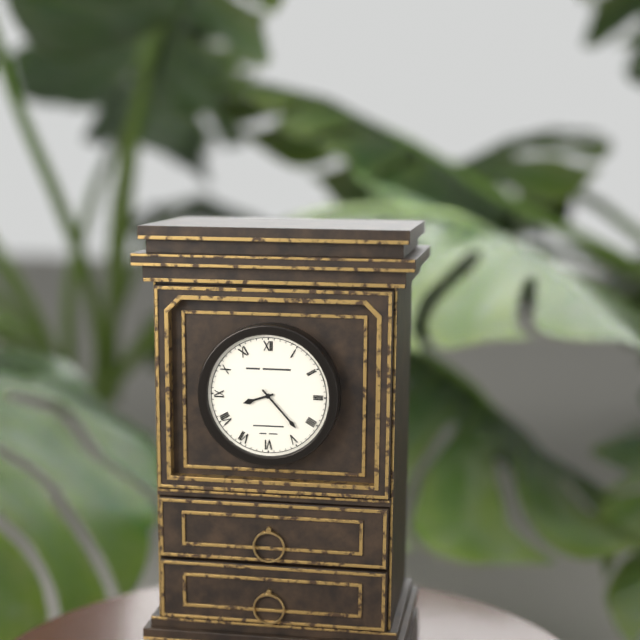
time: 8:23
